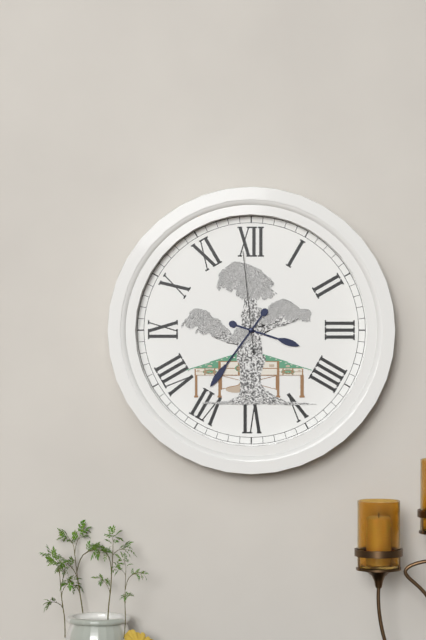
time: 3:36:59
